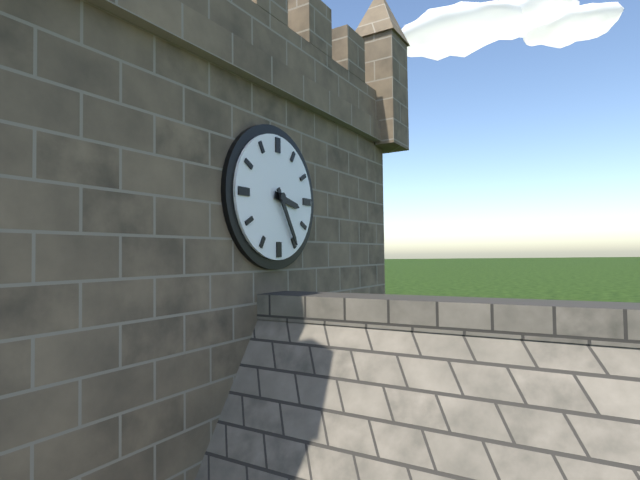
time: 3:25
